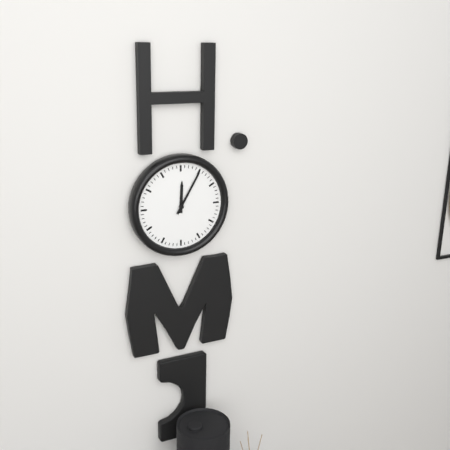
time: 12:05
